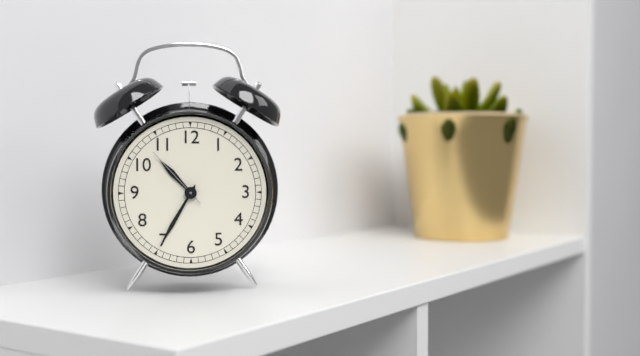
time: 10:35:53
